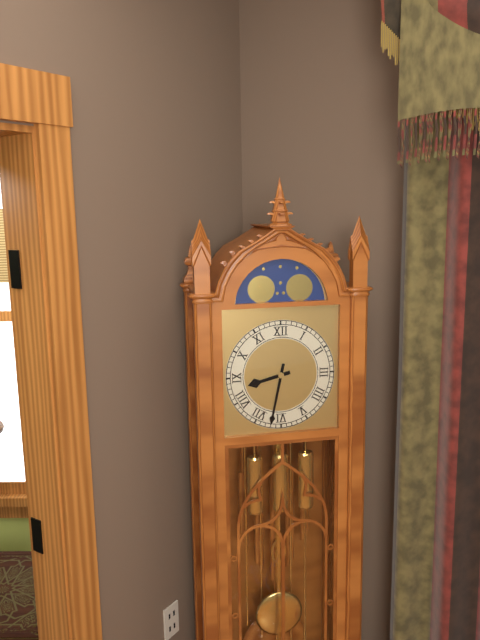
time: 8:32
